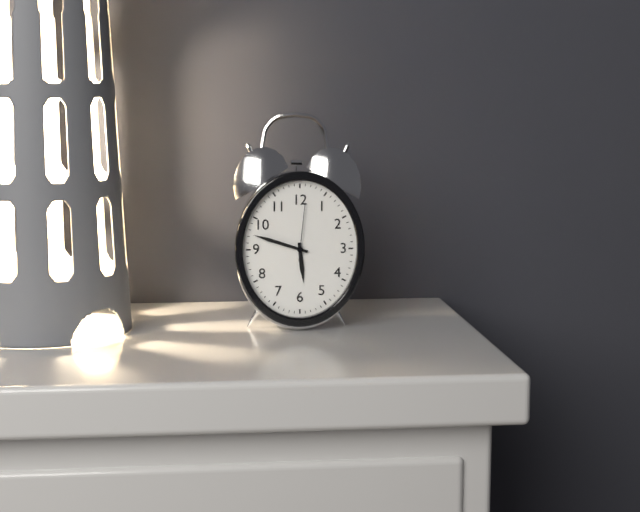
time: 5:48:01
